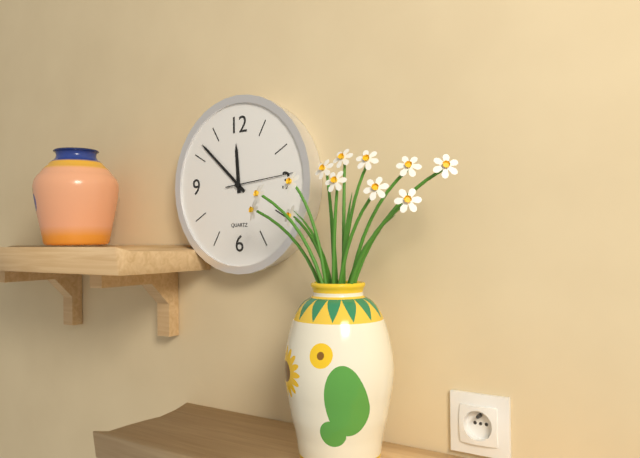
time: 11:52:14
